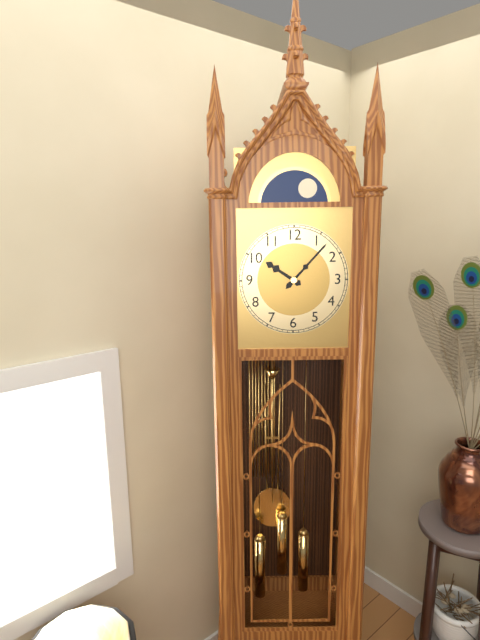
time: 10:07
